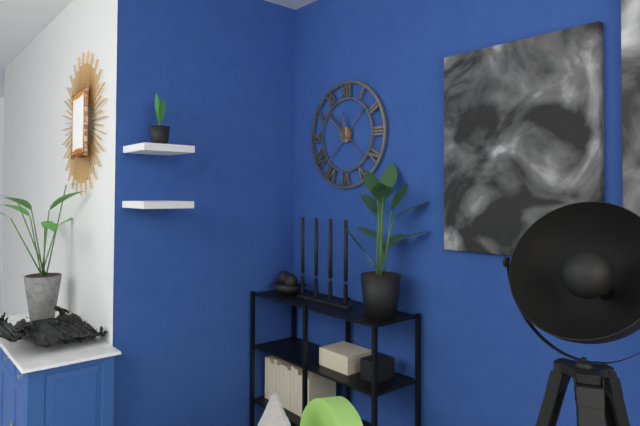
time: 11:52
